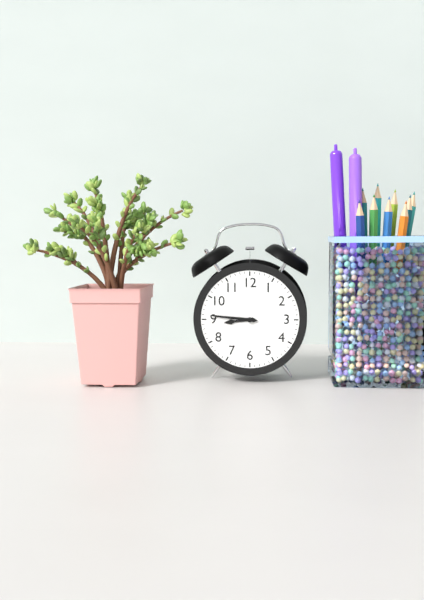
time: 8:46
